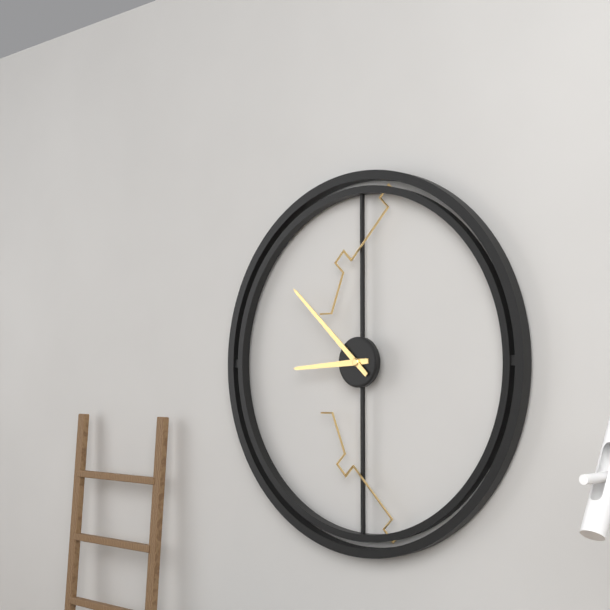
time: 8:52
